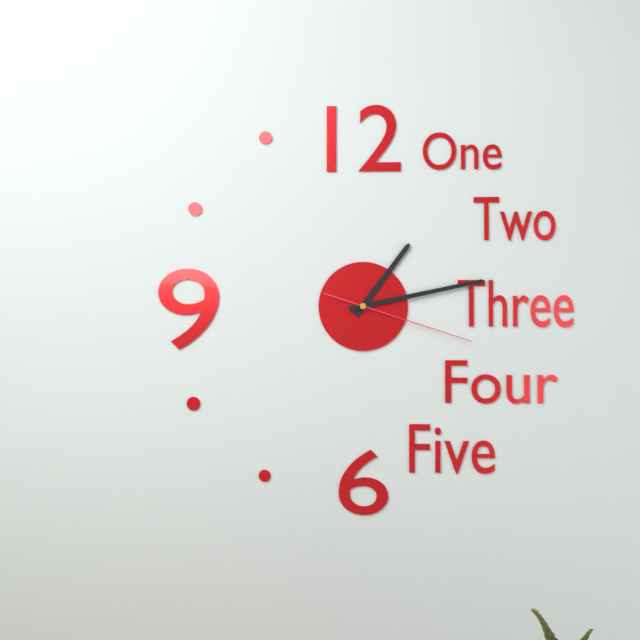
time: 1:13:18
